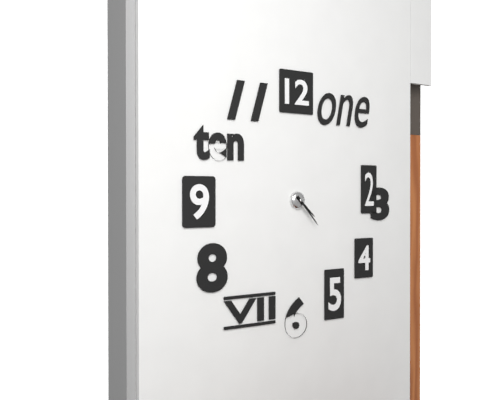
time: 4:23
